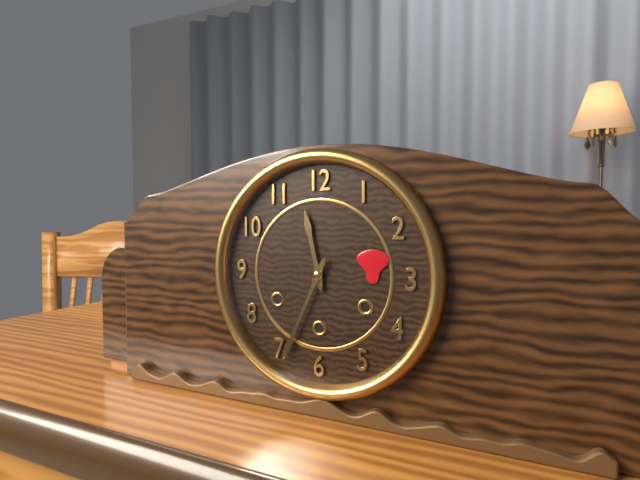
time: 11:34
